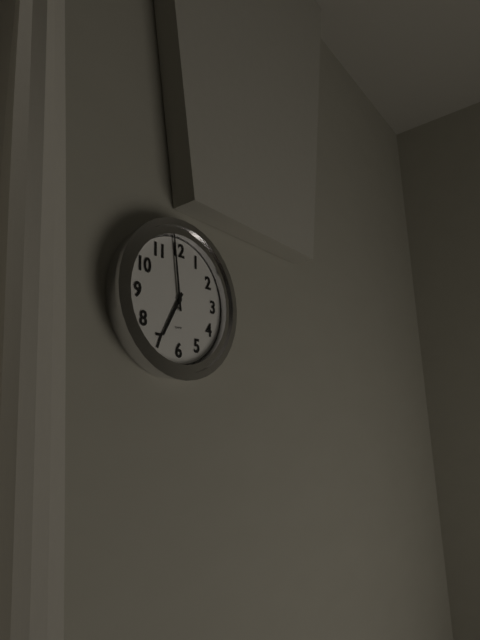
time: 6:59
